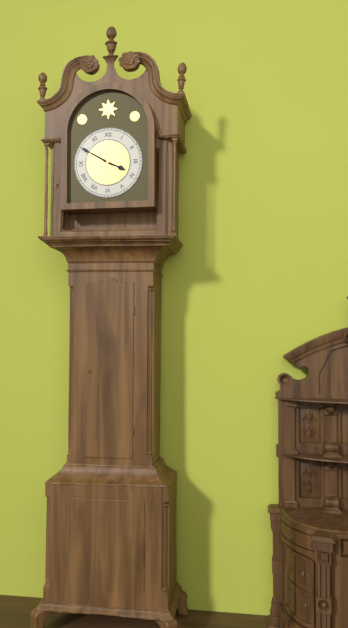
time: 3:50
